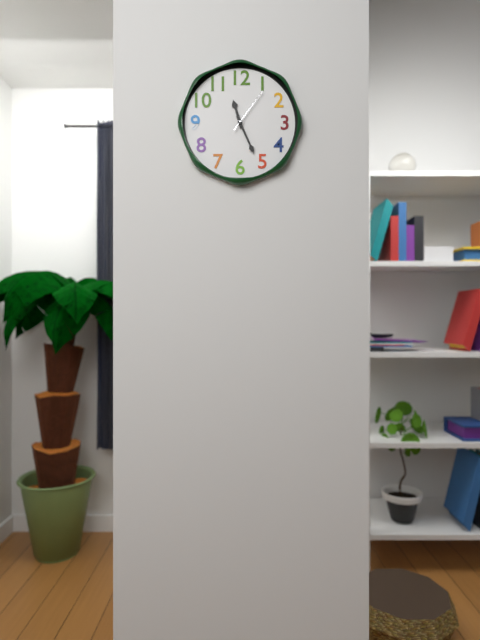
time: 11:26
